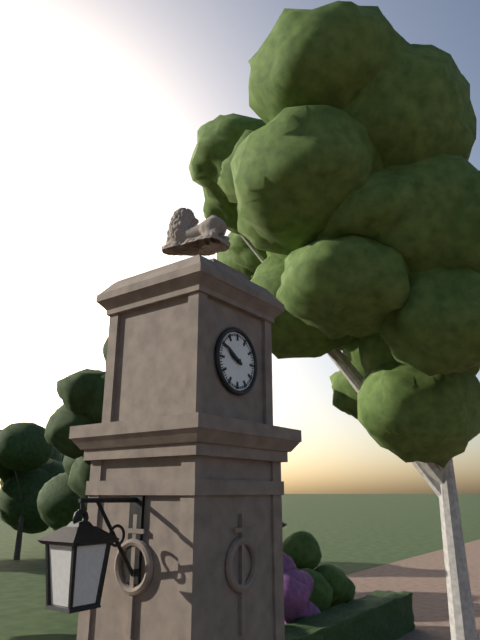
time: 9:50
